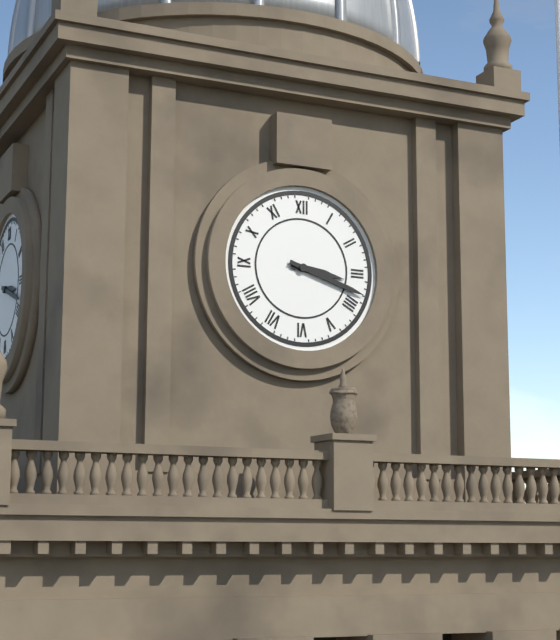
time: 3:18
